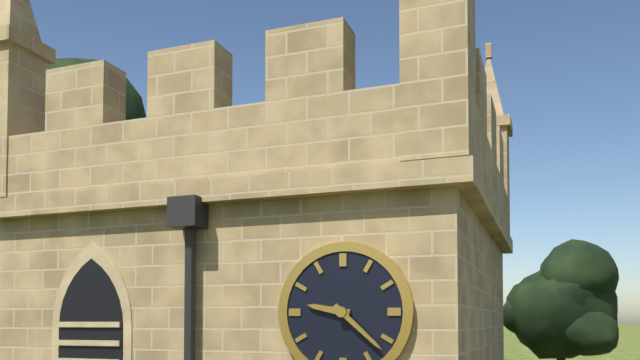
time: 9:22
